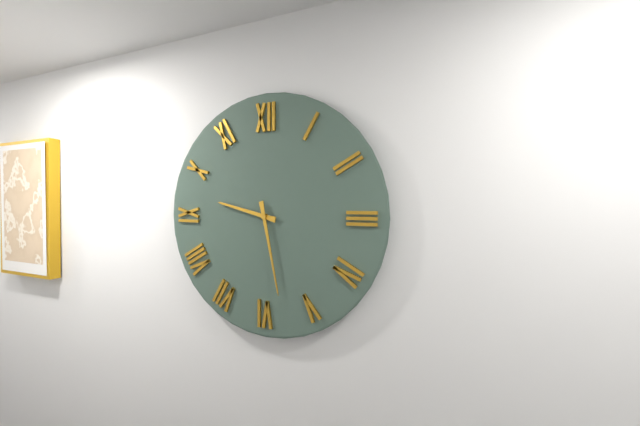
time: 9:28
